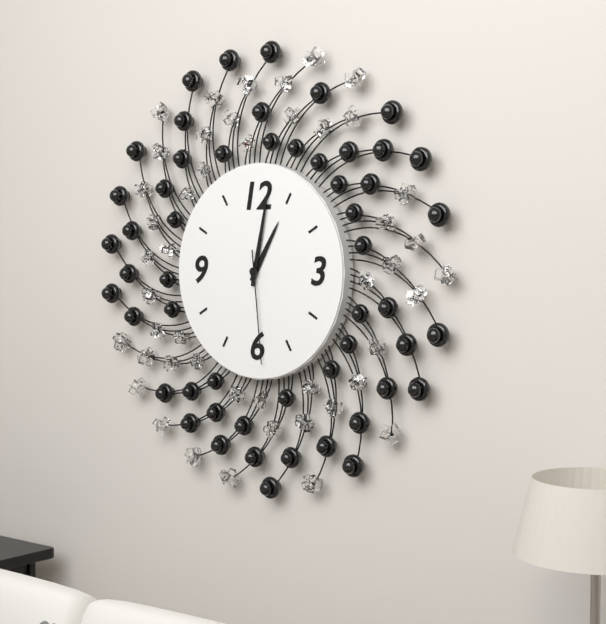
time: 1:02:29
